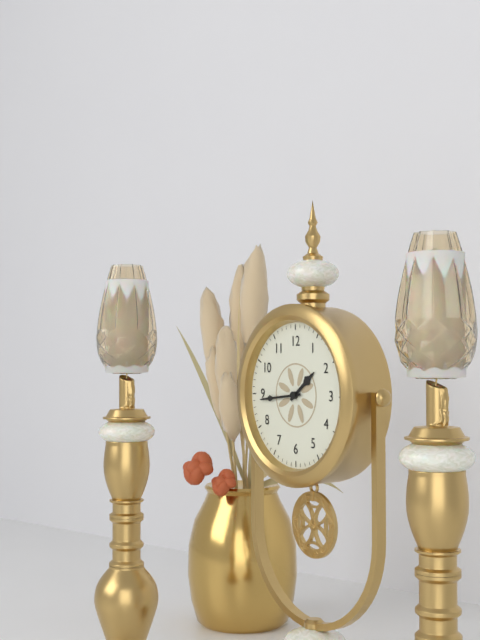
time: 1:44
